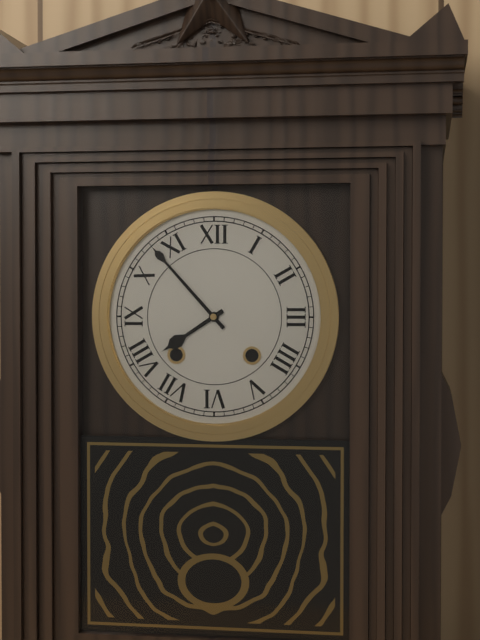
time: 7:53
